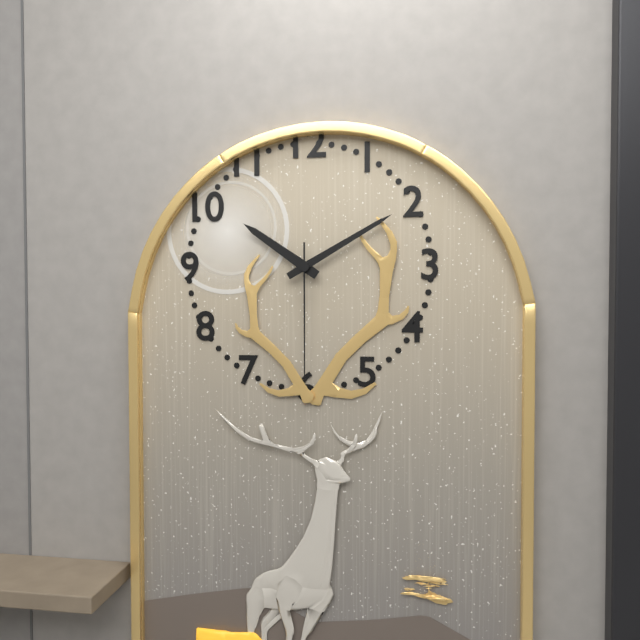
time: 10:10:30
